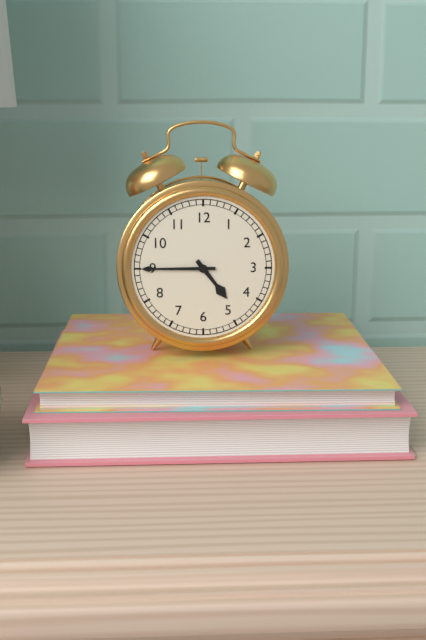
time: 4:45
